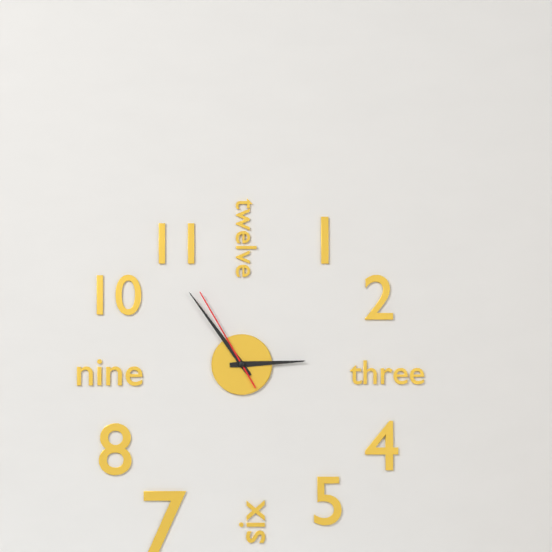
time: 2:54:55
